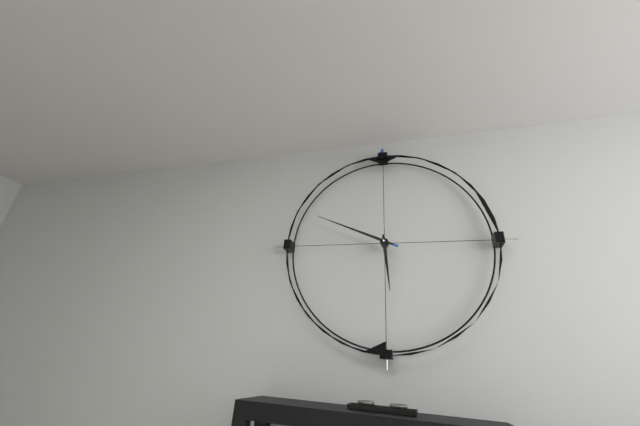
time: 5:49
